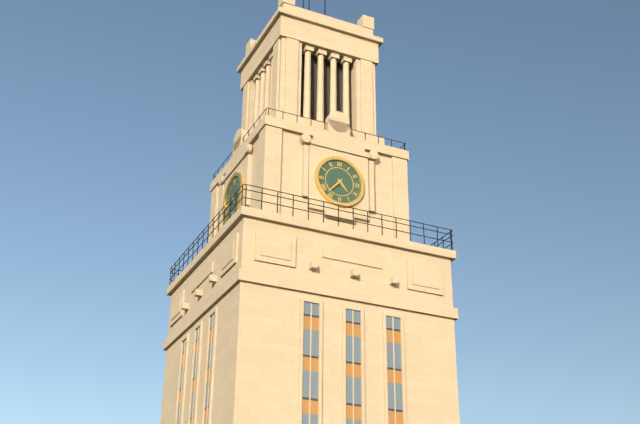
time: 4:37
